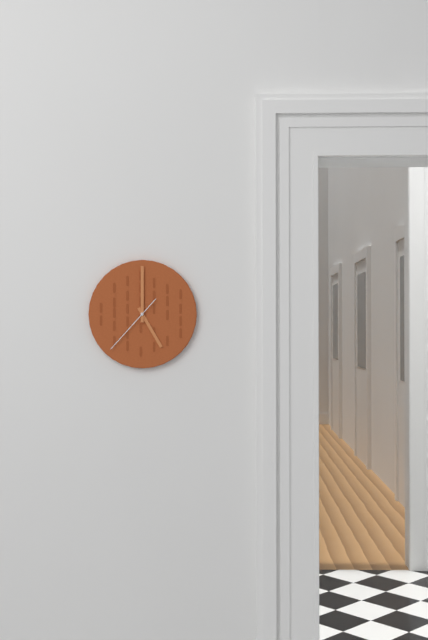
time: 5:00:37
